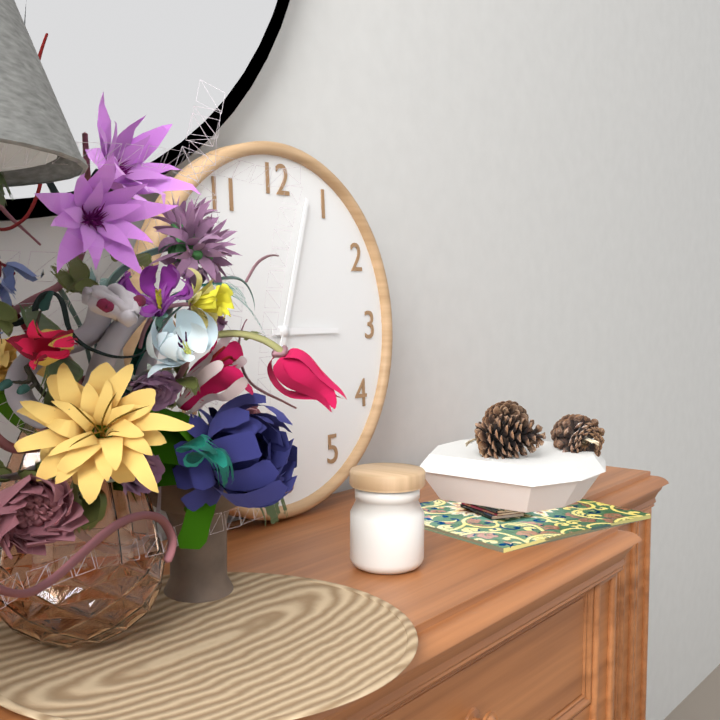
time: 3:03
